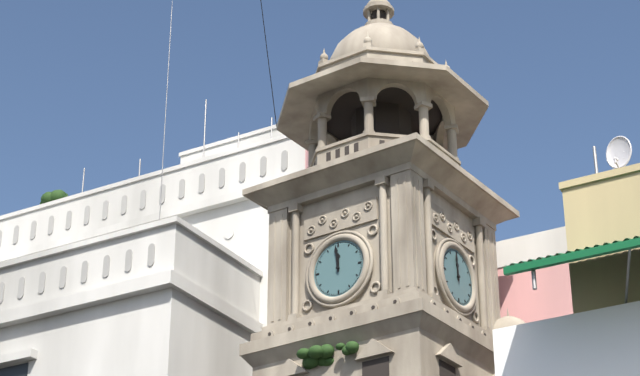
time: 11:59
